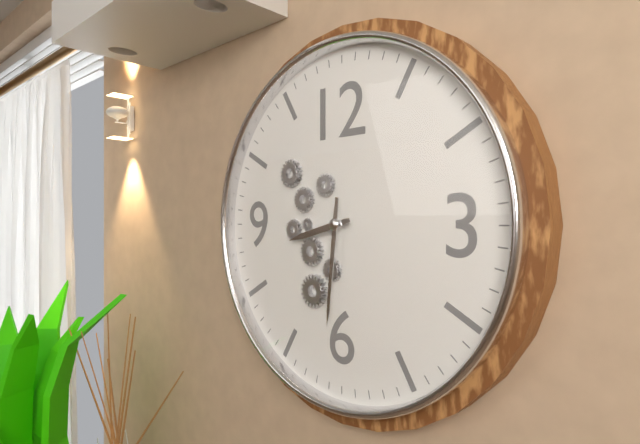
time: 8:31
